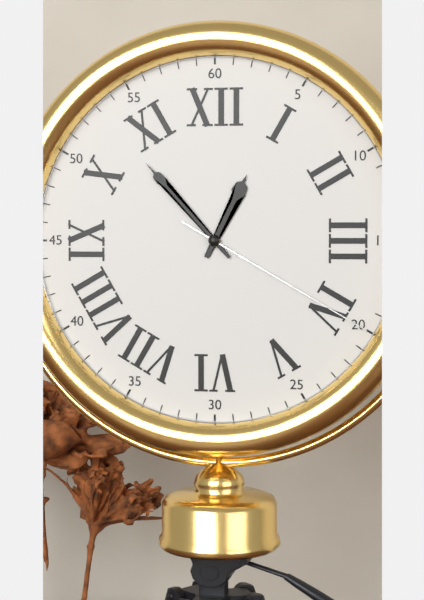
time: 12:53:20
